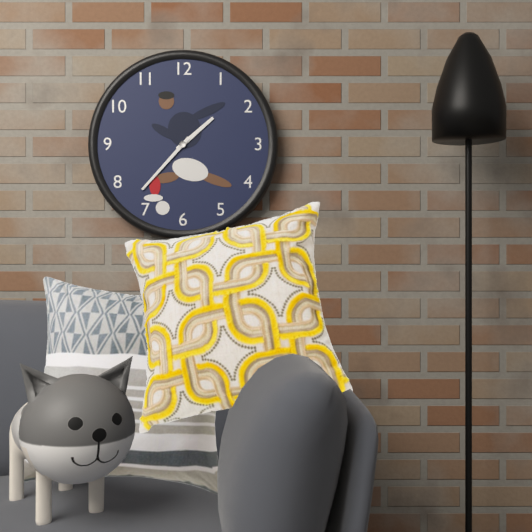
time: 1:37
